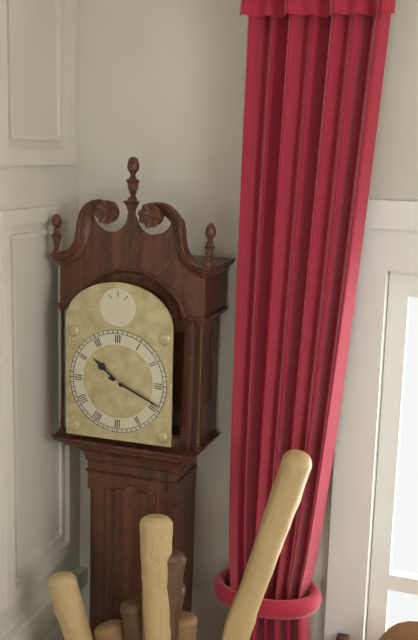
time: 10:19
